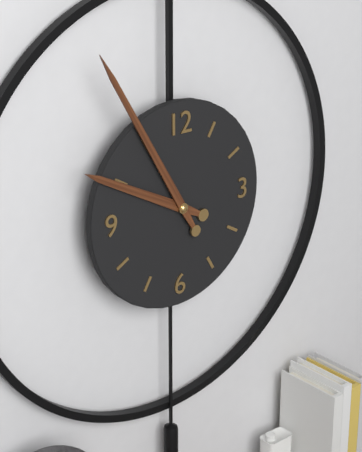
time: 9:55
